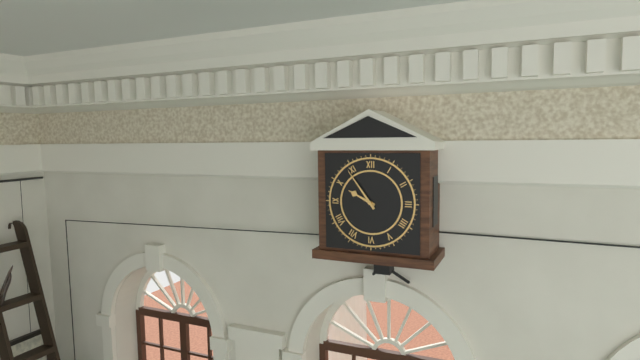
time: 9:54
